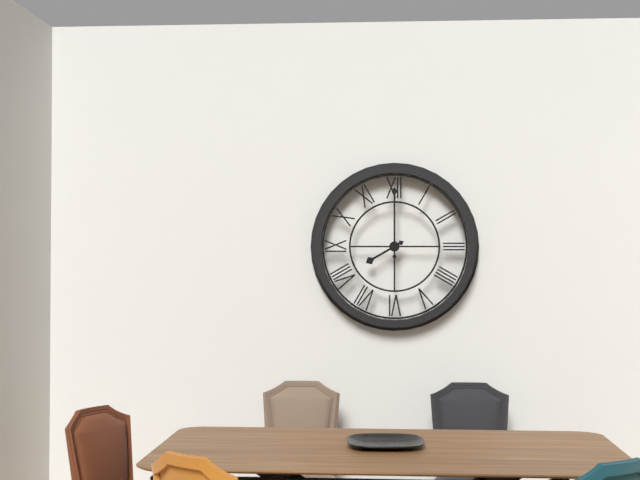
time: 8:00
